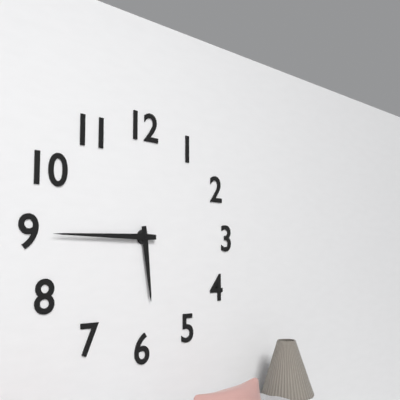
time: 5:45
